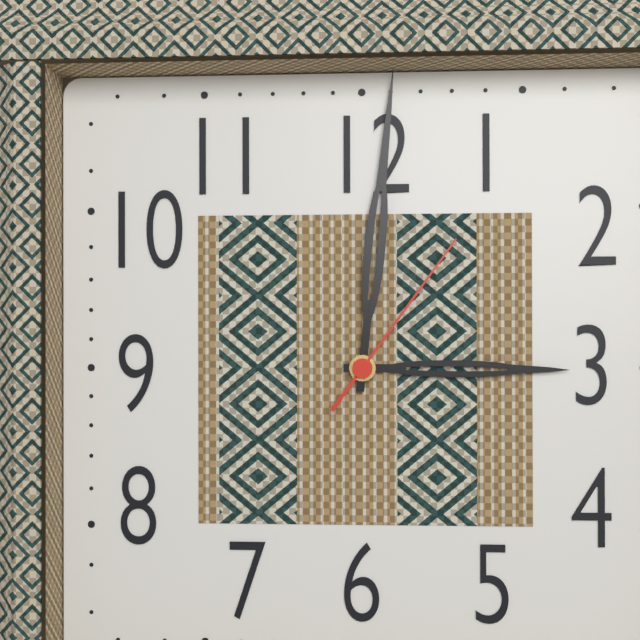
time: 3:01:06
